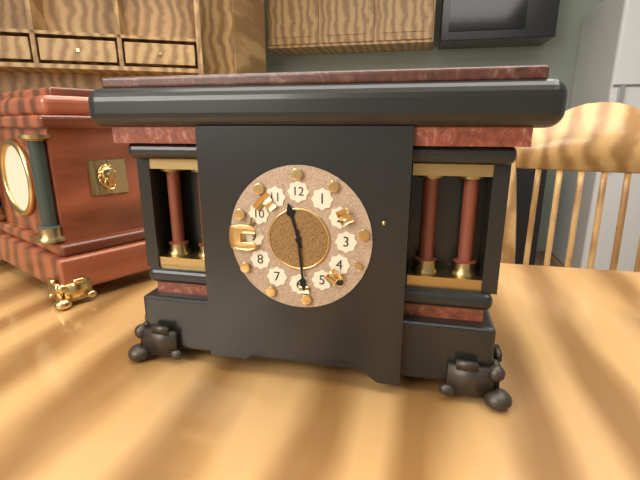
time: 11:29
